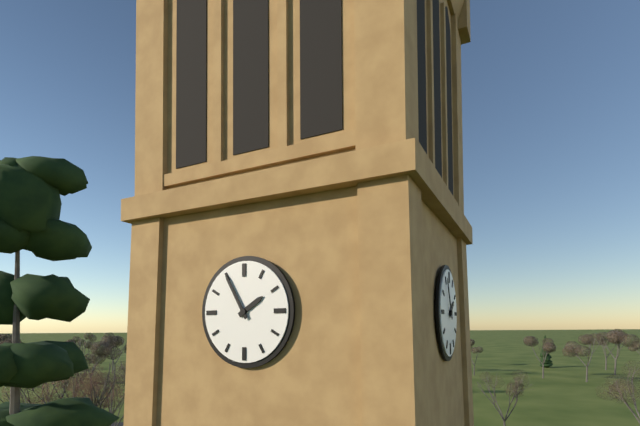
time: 1:55
